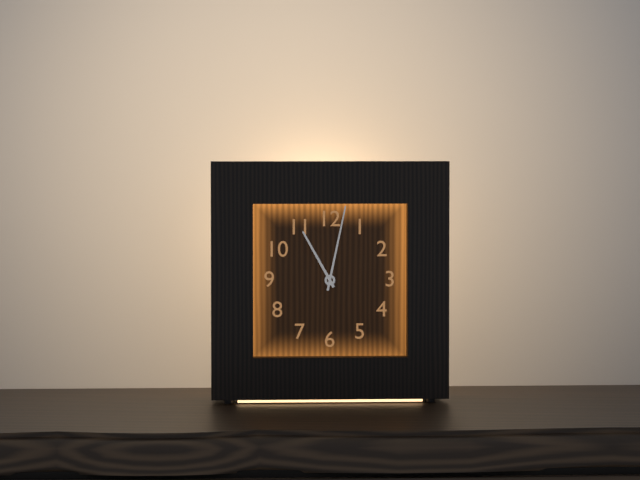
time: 11:02
